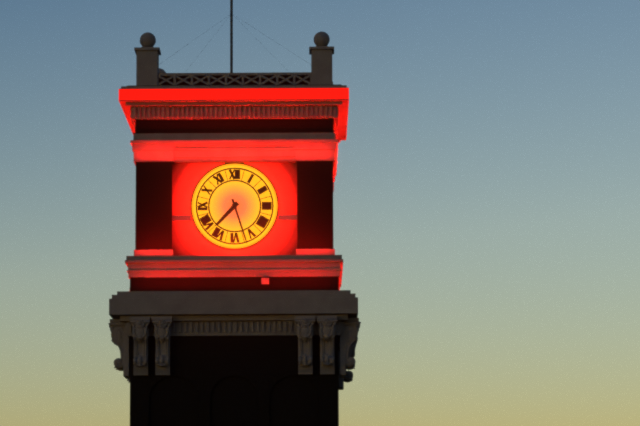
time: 7:27
